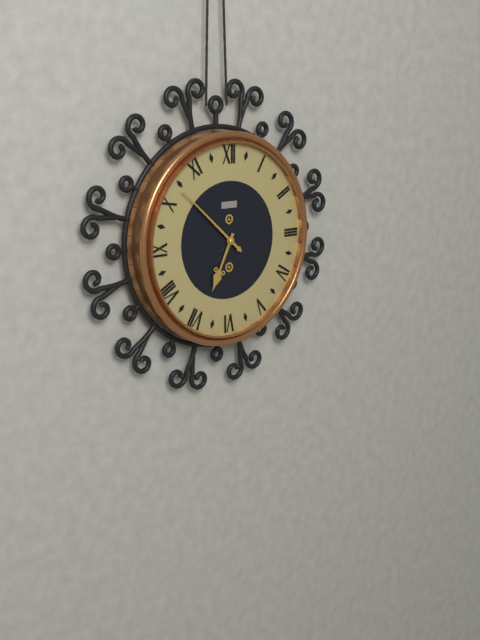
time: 6:52
